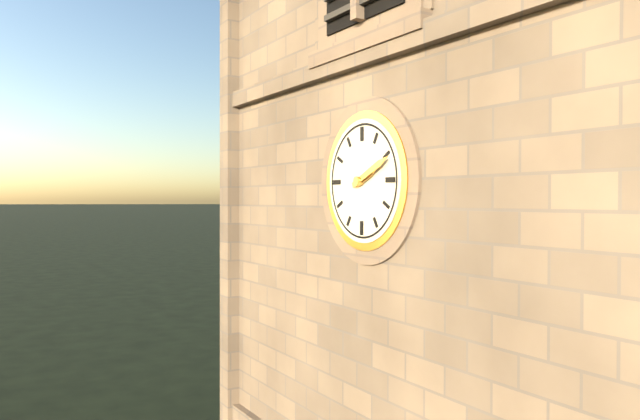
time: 2:11
